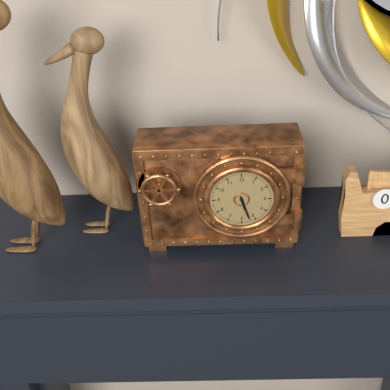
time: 5:27
